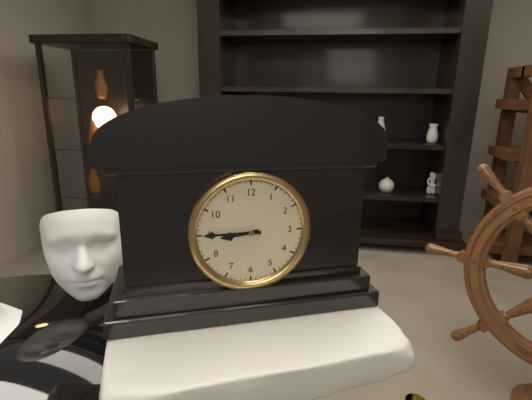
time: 8:45
